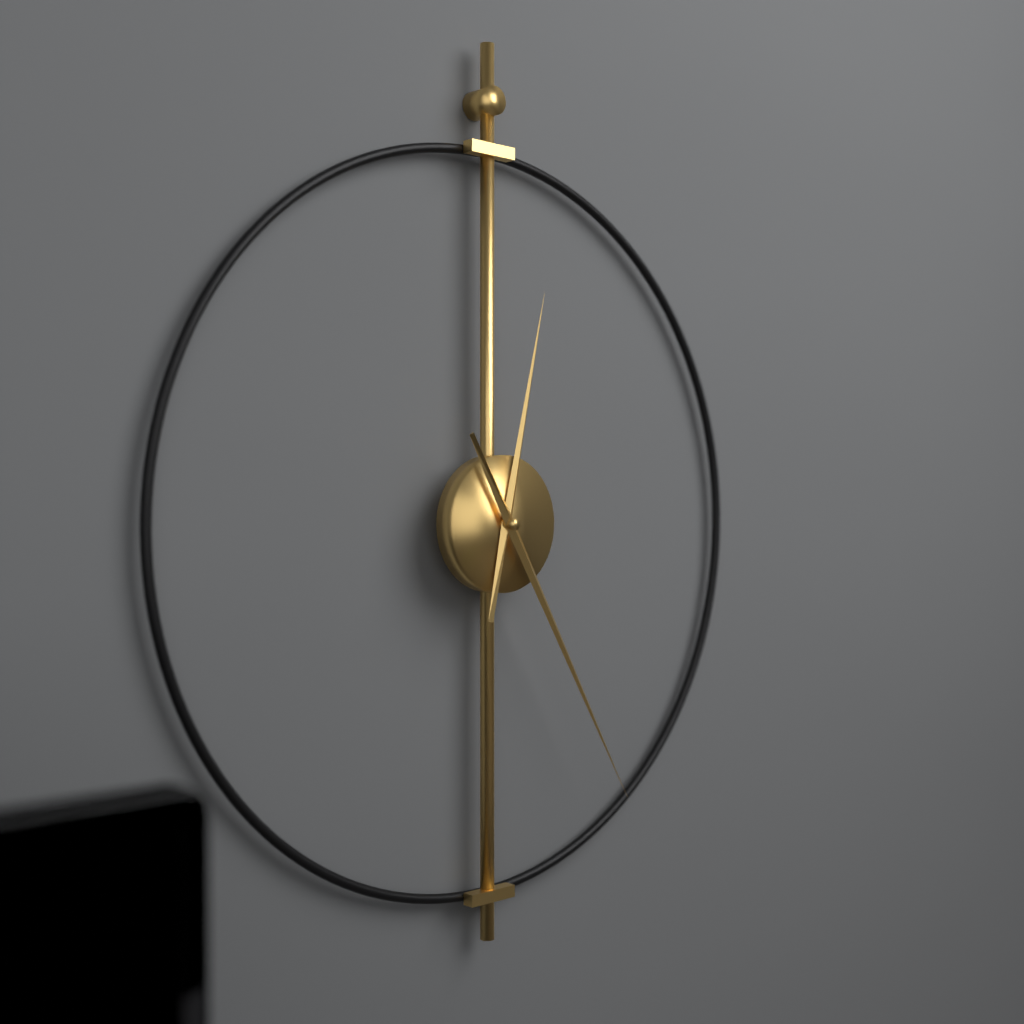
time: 12:25
